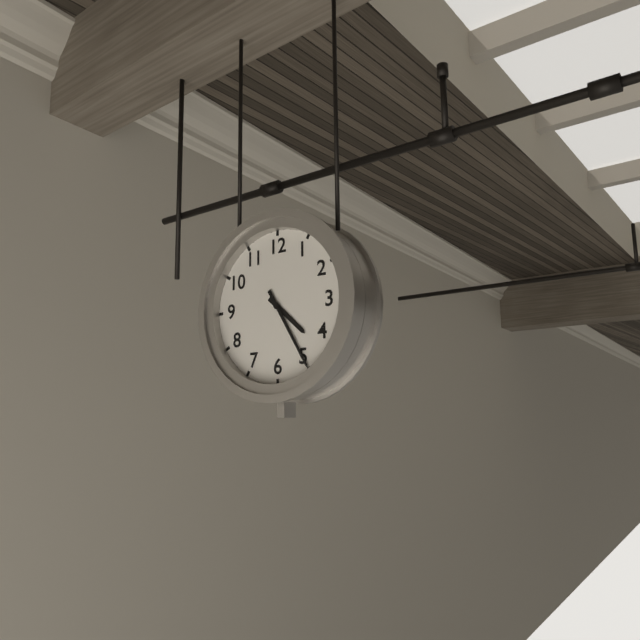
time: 4:25
